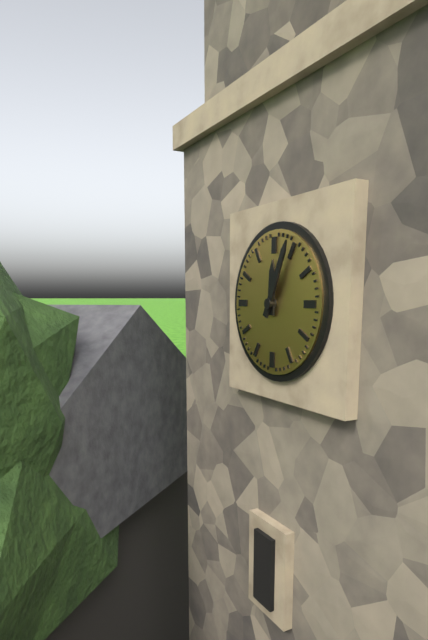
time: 12:04
